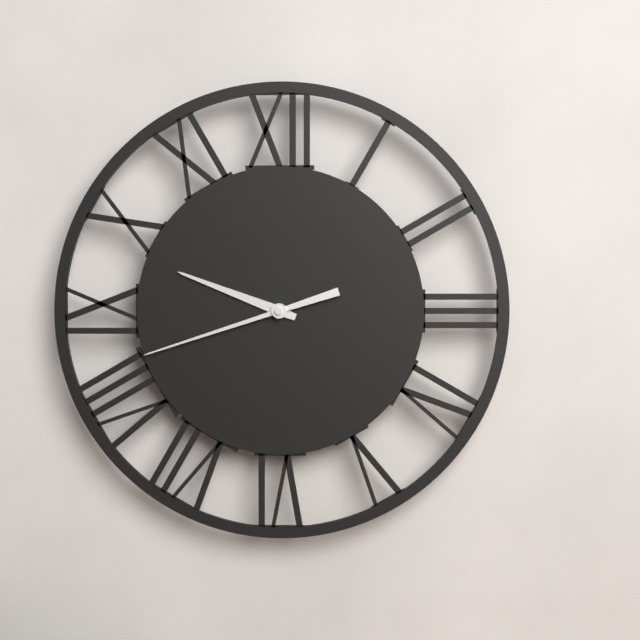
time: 9:42
